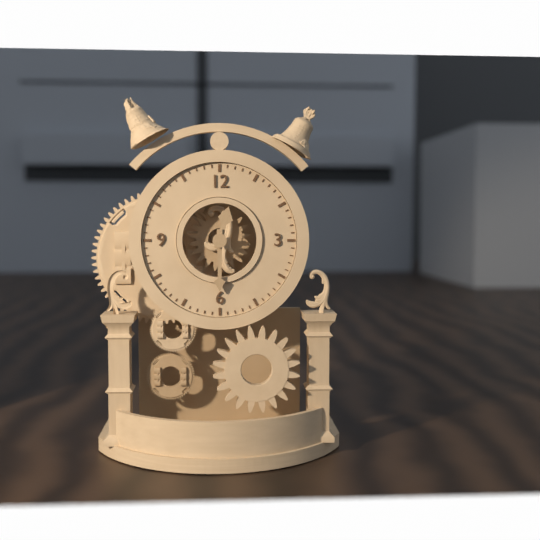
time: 12:30
